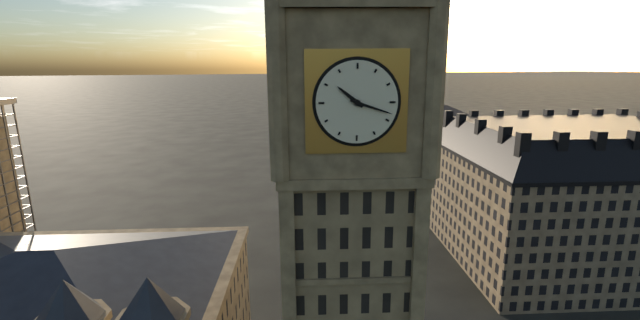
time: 10:18
